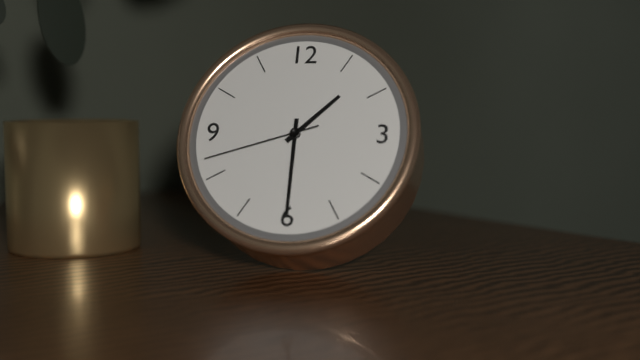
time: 1:30:42
